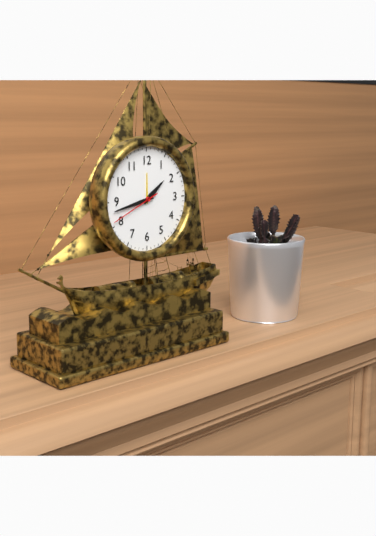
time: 1:43:41
